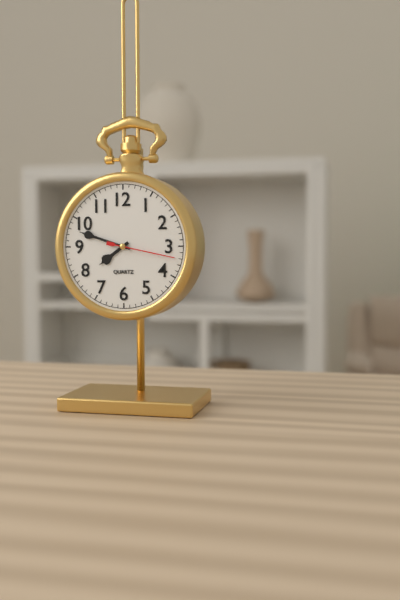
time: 7:48:17
